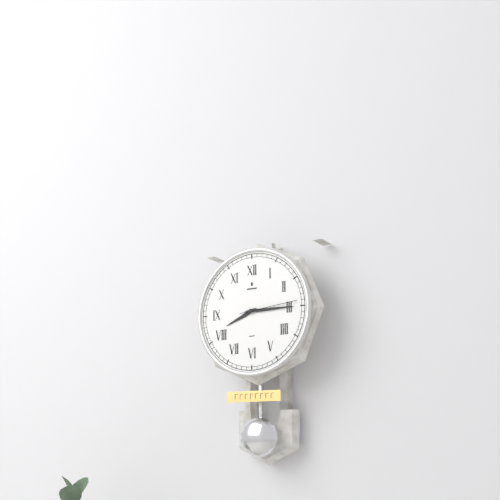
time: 8:15:14
